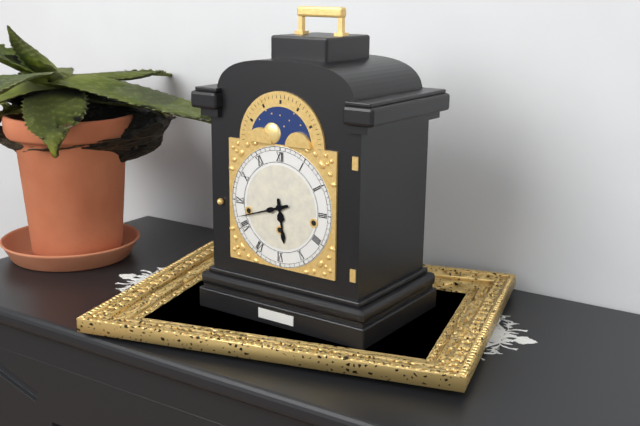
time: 5:42
